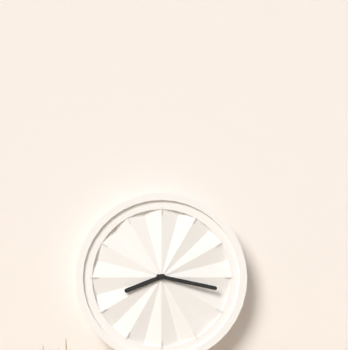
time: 8:17
